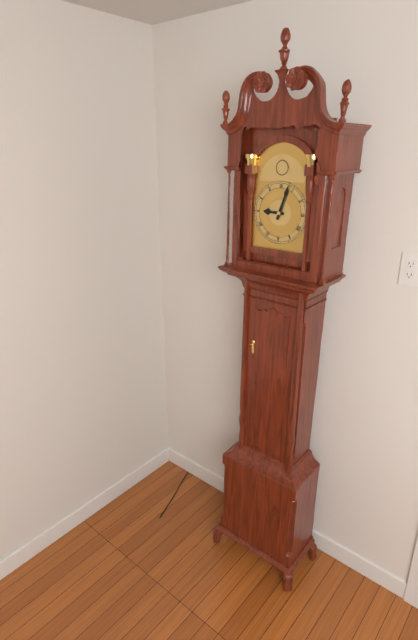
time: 9:03
